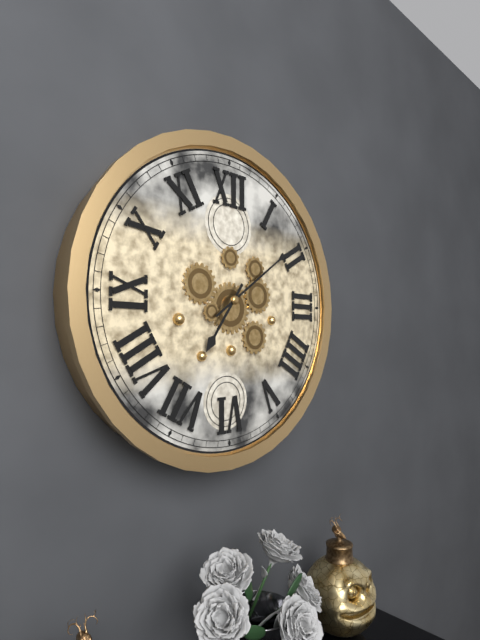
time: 7:09
